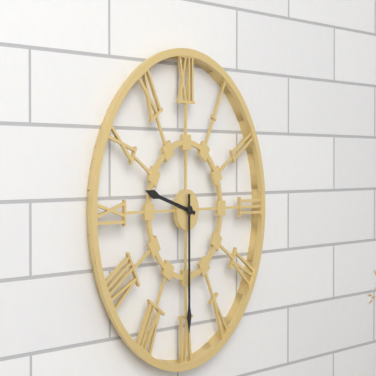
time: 9:30
